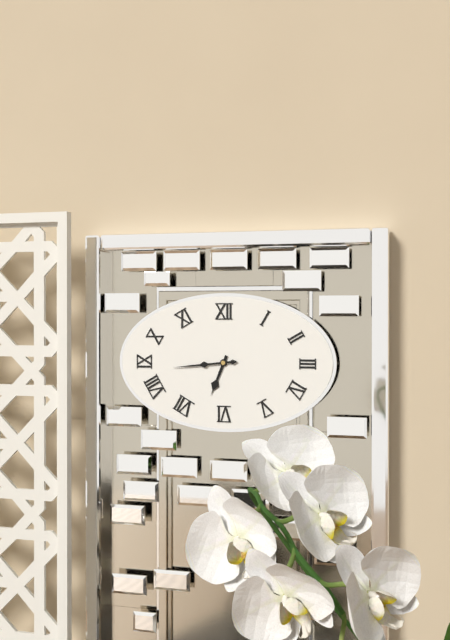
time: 6:44
